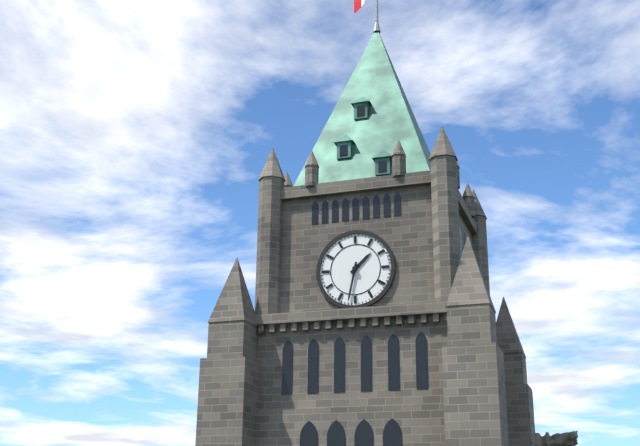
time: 1:32
